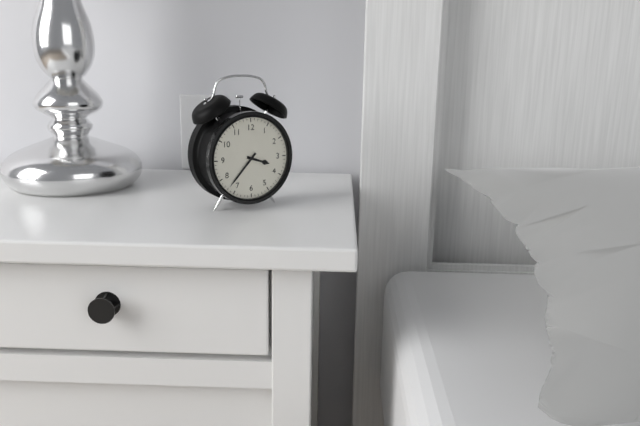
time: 3:37
